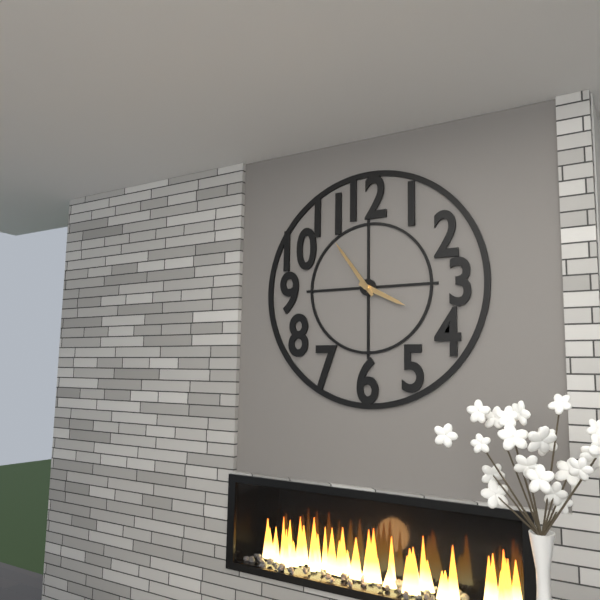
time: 3:54
